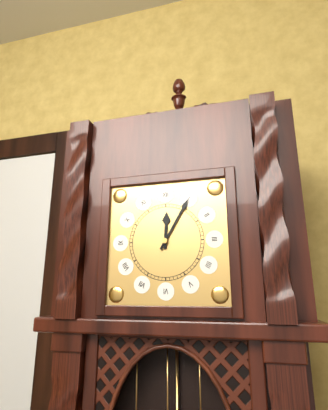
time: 12:05
